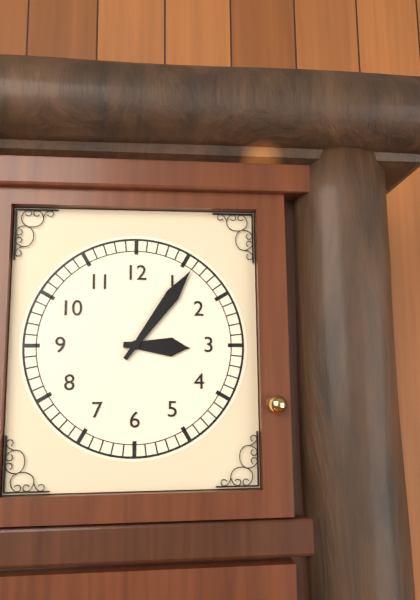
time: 3:06
